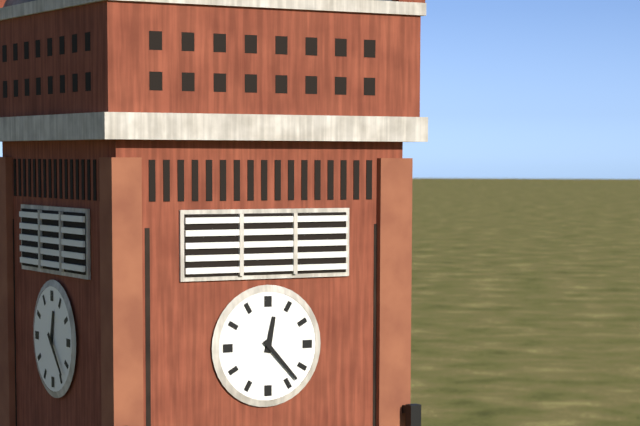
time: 12:23
